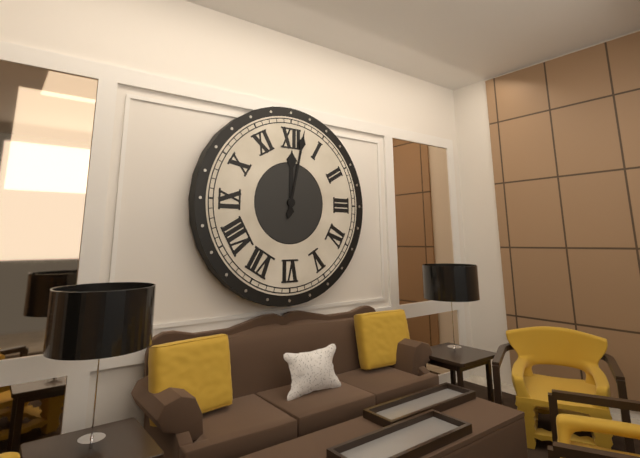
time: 12:02
